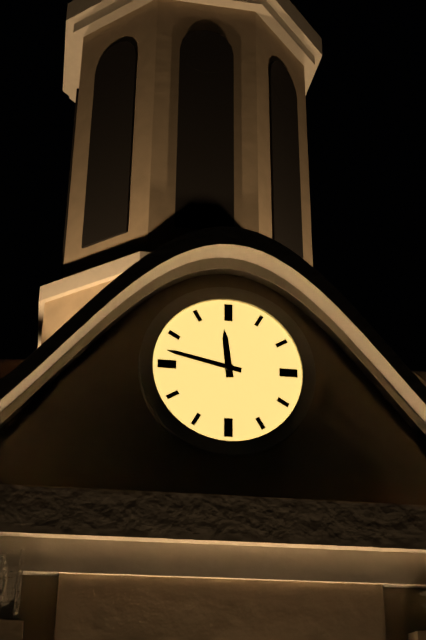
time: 11:47
